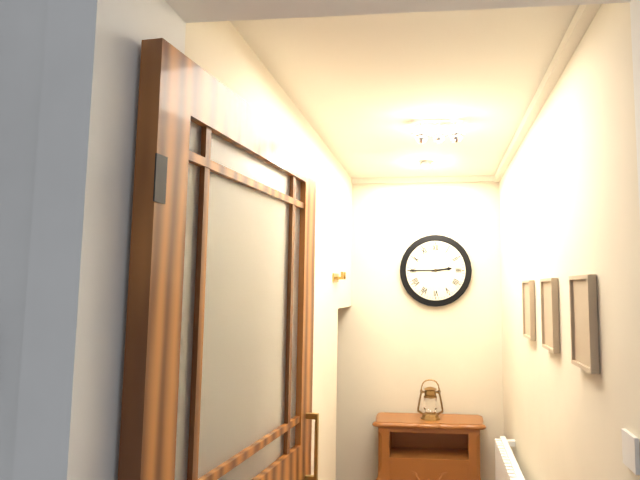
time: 2:45
